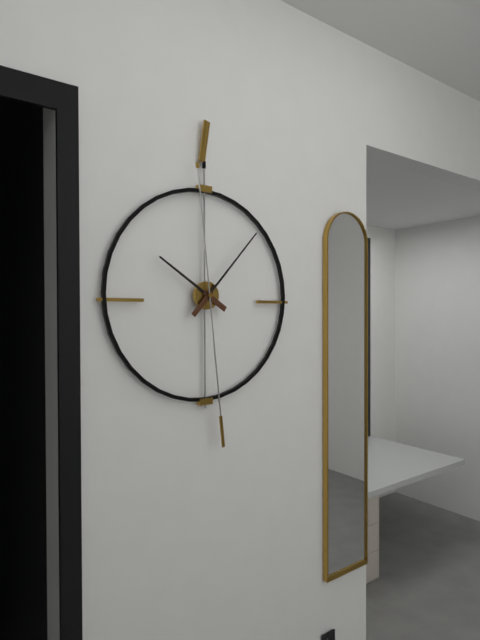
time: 10:07:29
